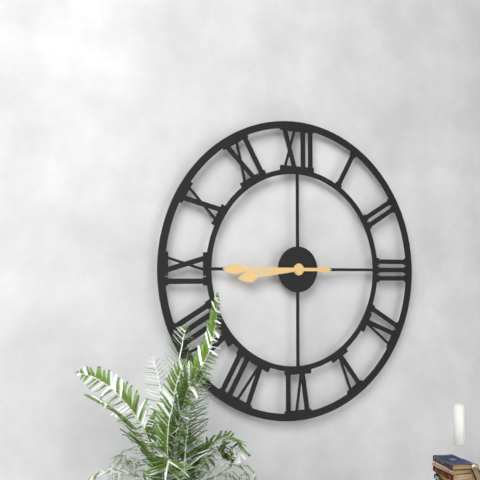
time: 8:45
